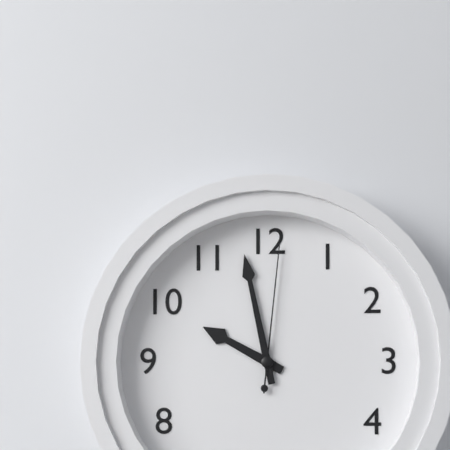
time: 9:58:01
